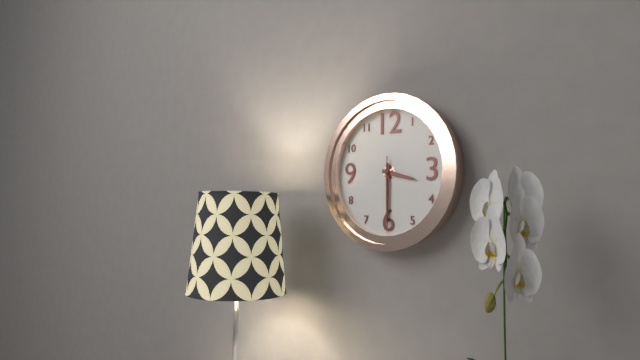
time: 3:30:30
